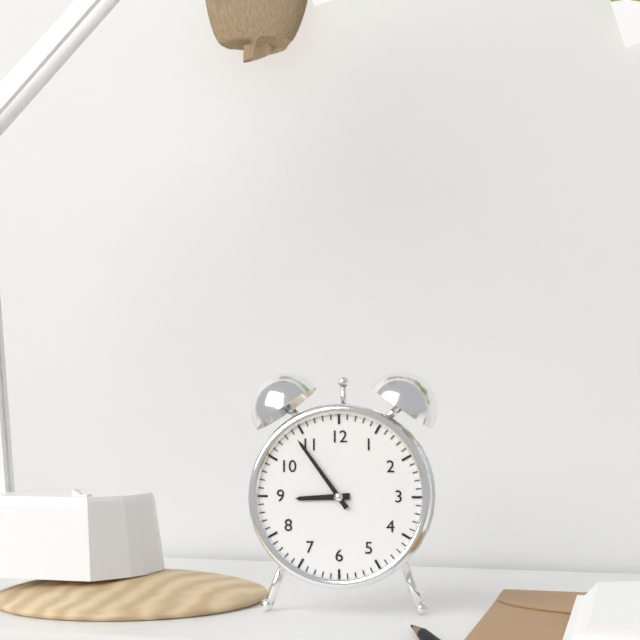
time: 8:54
